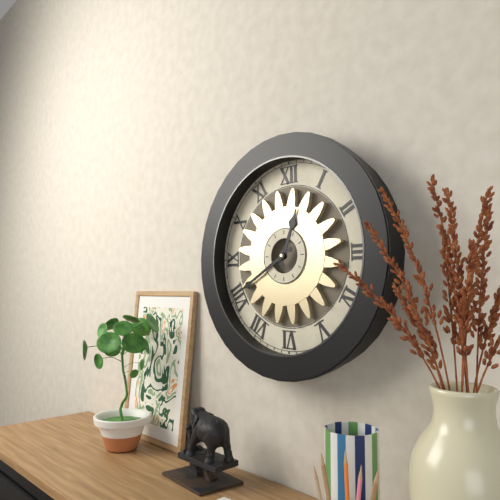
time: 12:40
